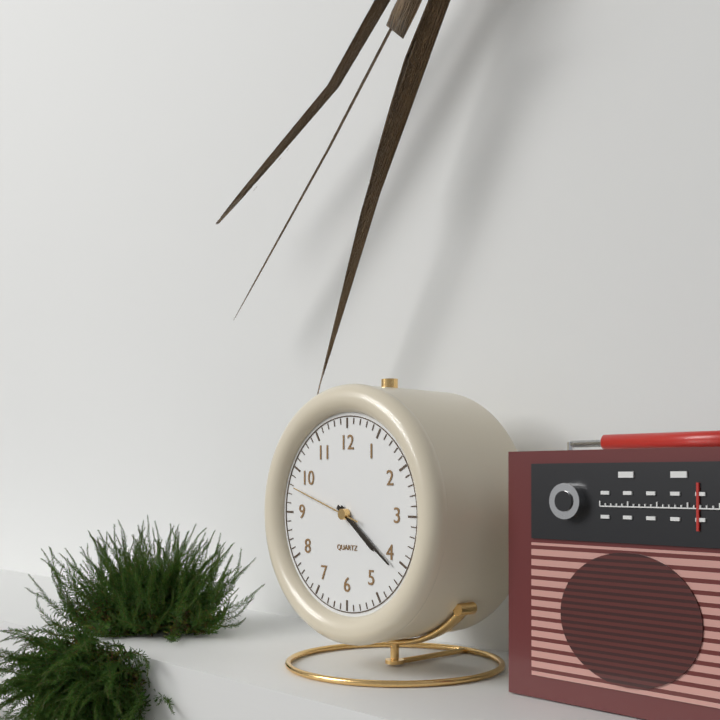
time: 4:21:48
